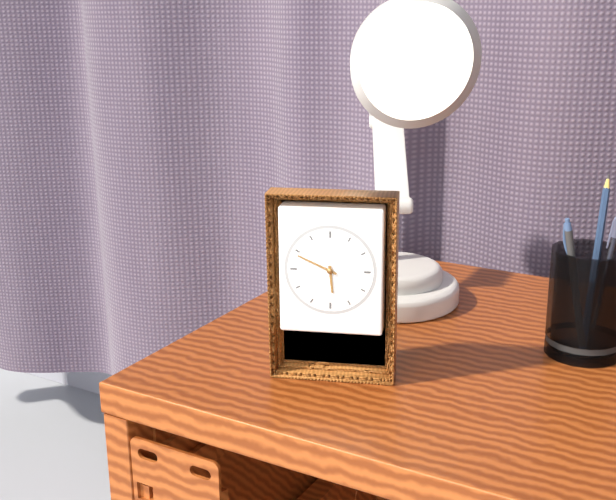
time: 5:49
